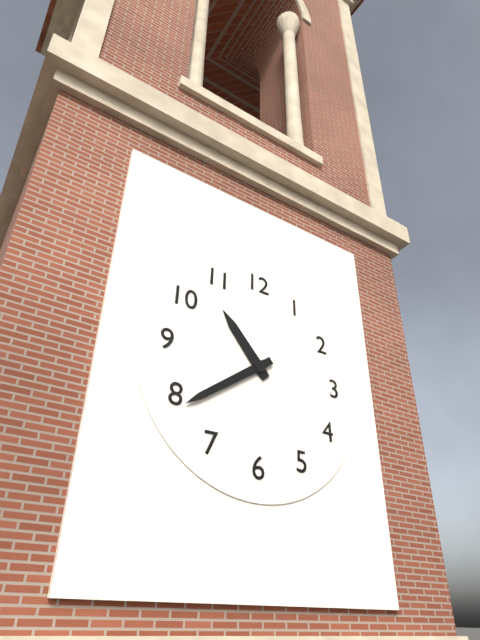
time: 10:39
